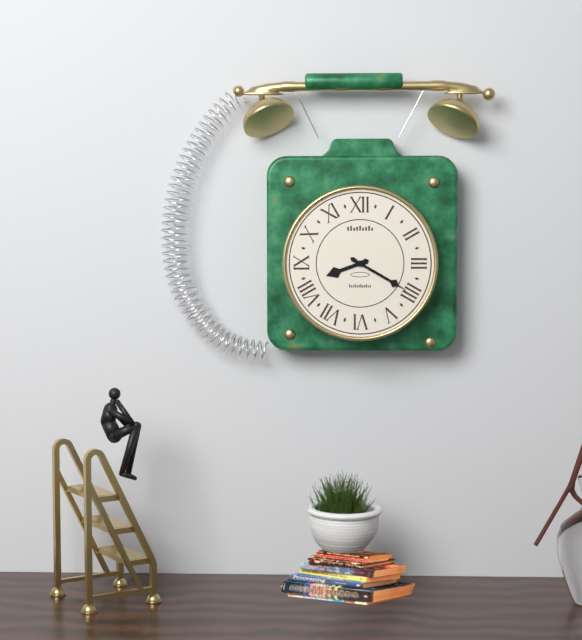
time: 8:20
